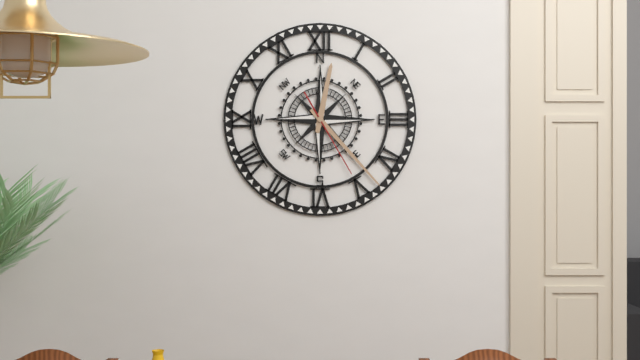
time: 12:23:25
